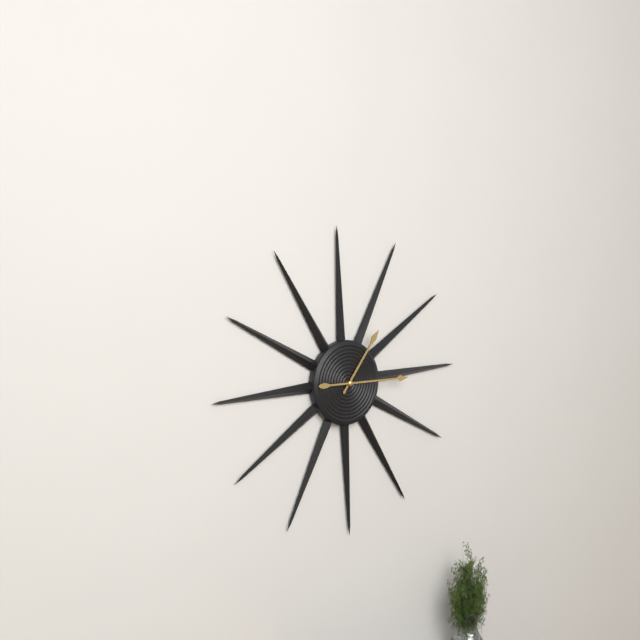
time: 1:15
